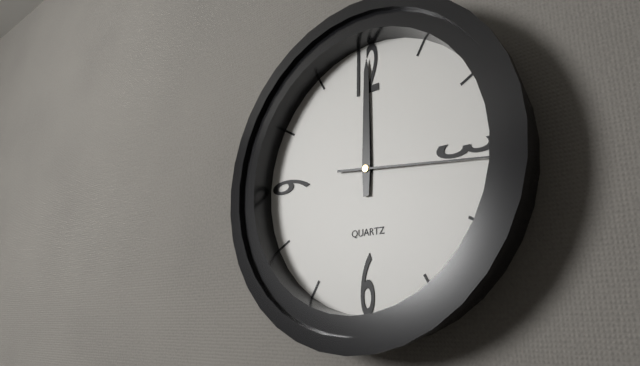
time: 12:00:16
